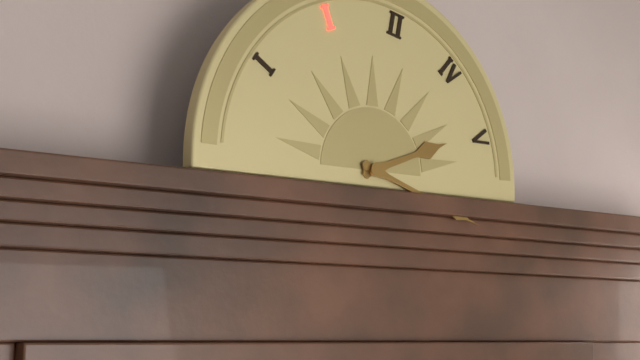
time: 2:18
